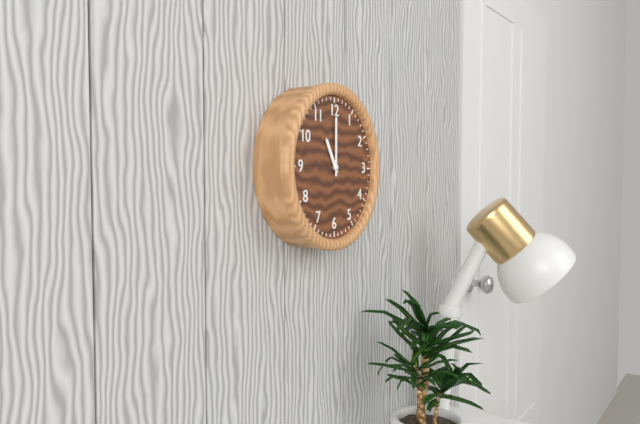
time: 11:00
